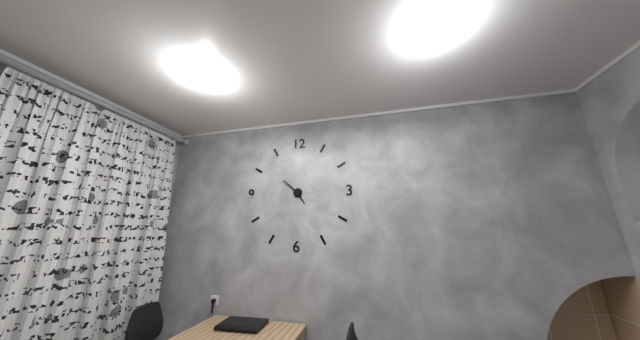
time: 4:52
